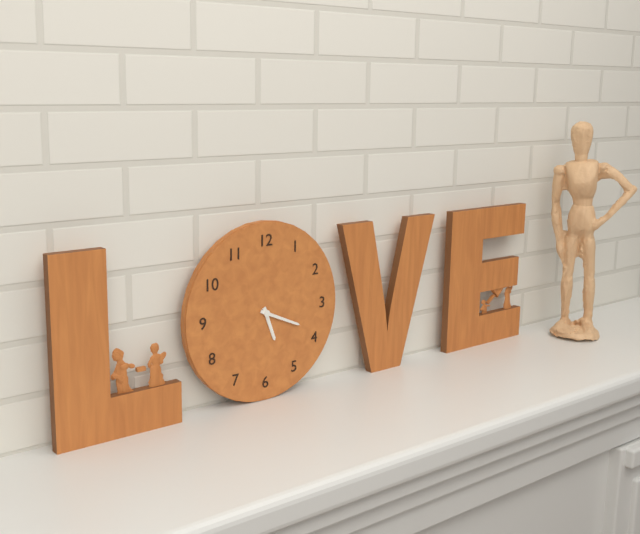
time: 5:19
